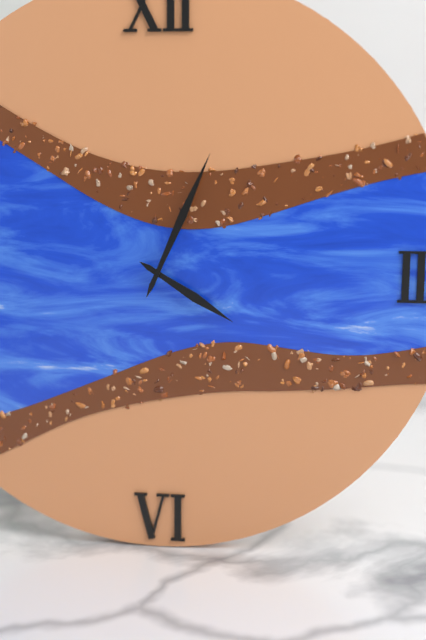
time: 4:04
